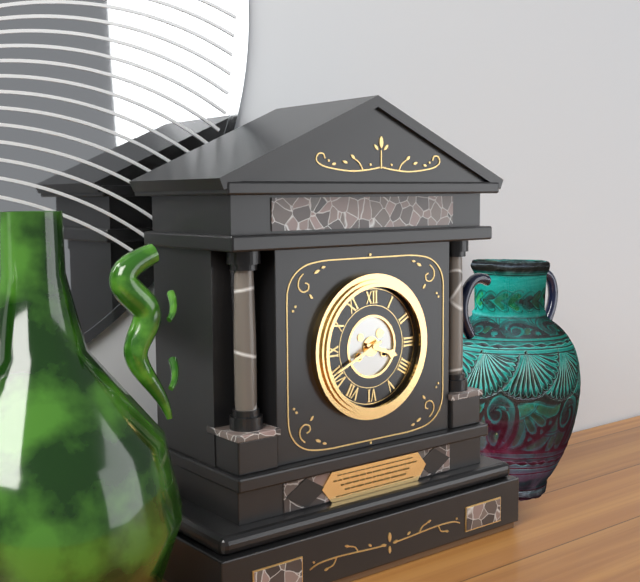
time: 3:41
